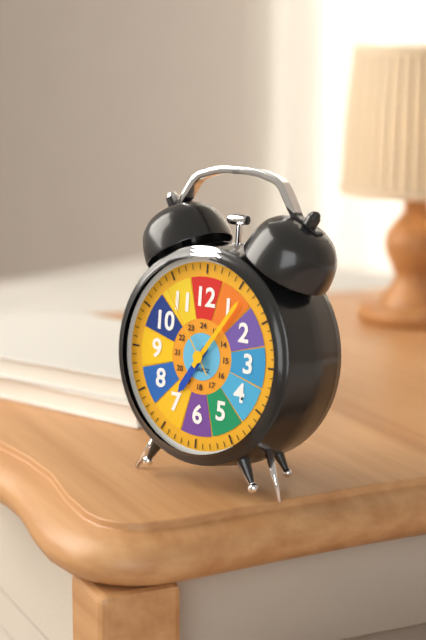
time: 7:06:54
